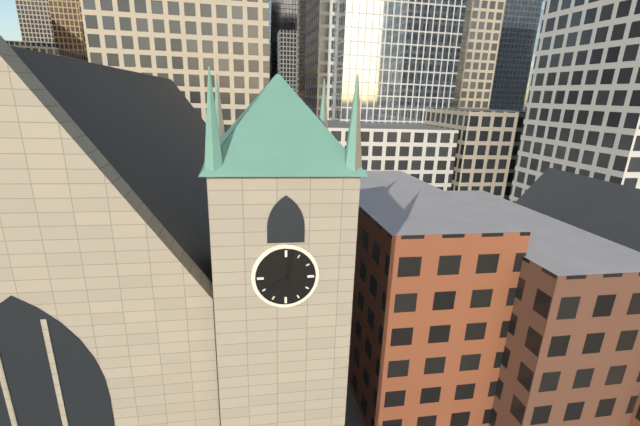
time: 8:02
